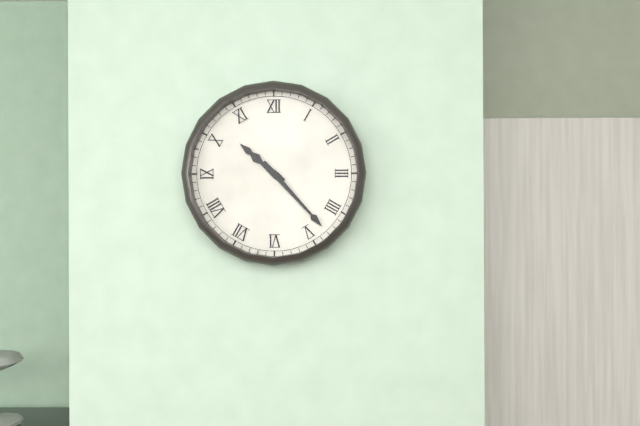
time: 10:23
